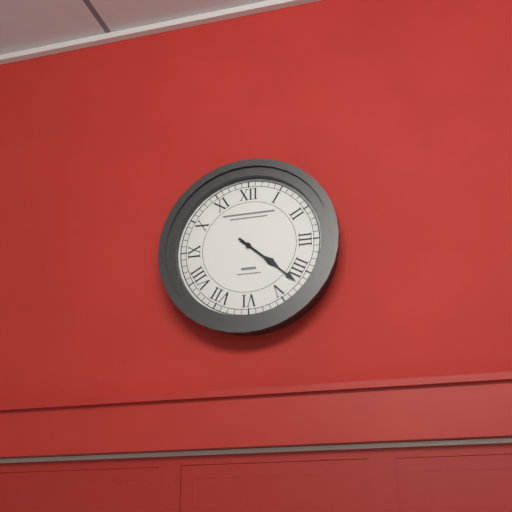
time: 4:22
